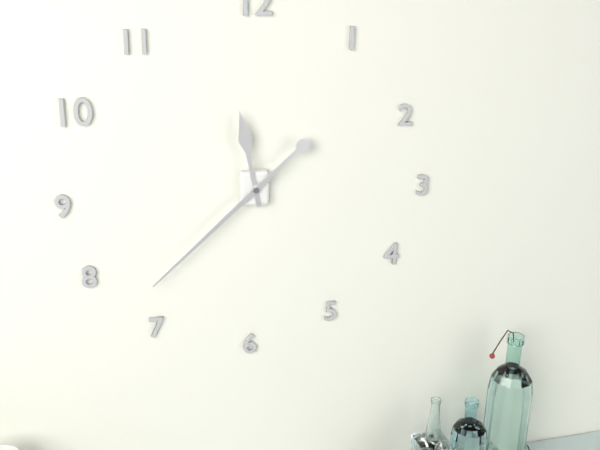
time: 11:38
